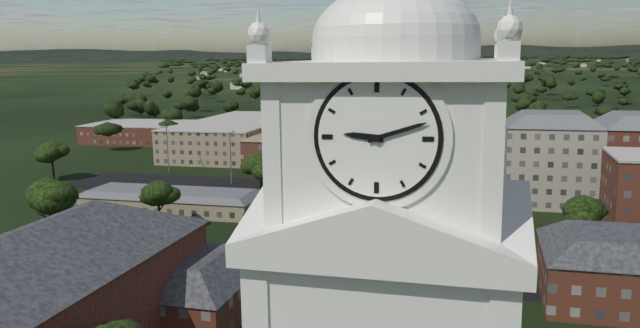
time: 9:12
